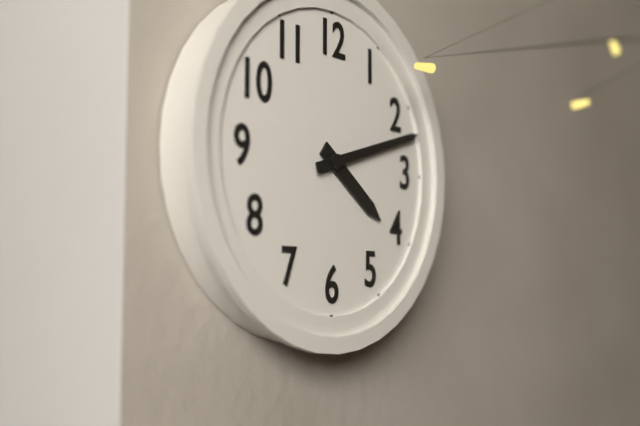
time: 4:12
